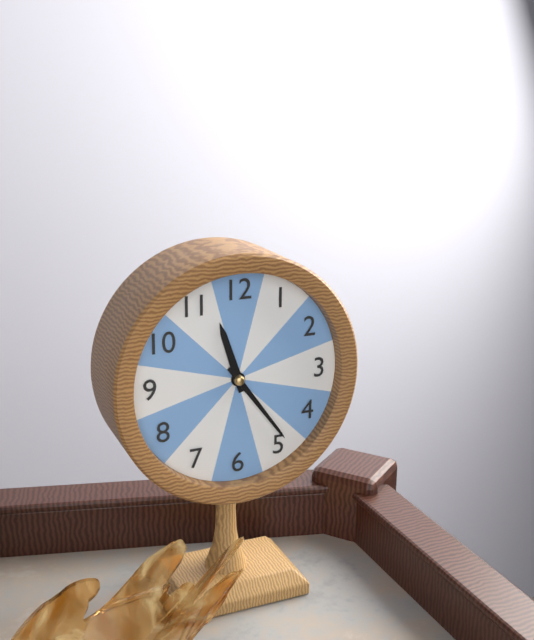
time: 11:24
